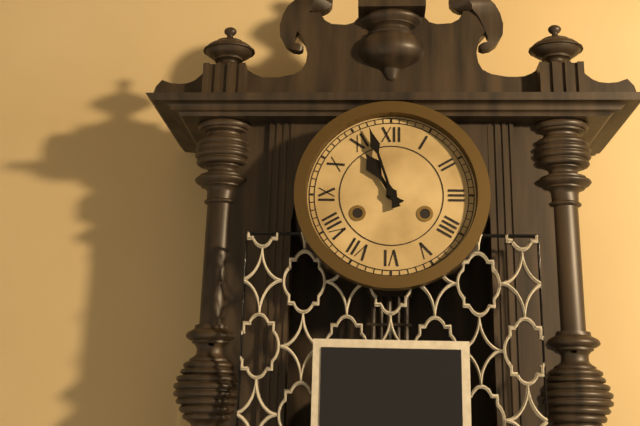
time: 10:57
